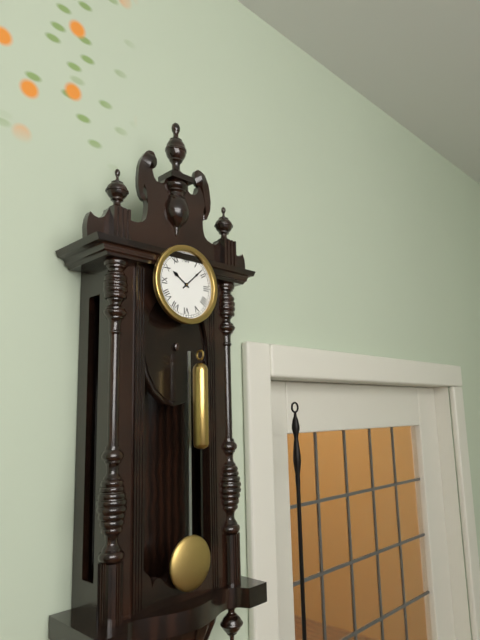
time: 10:08
